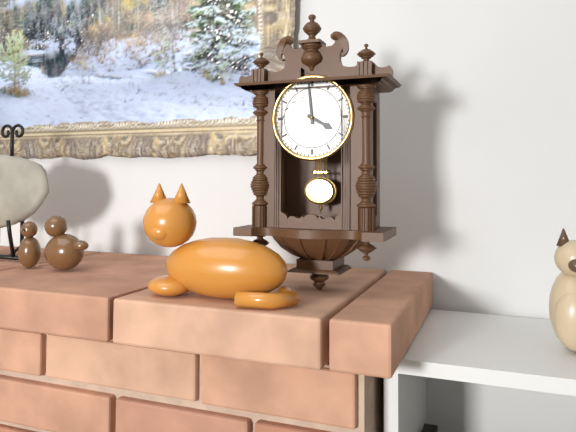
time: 3:59
